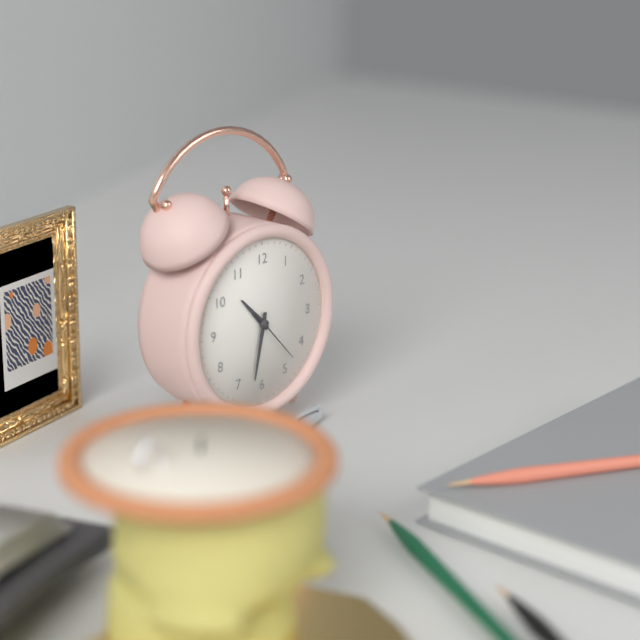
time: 10:32:23
